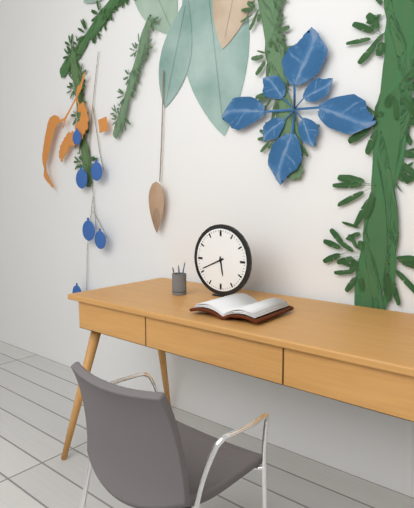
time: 5:41
